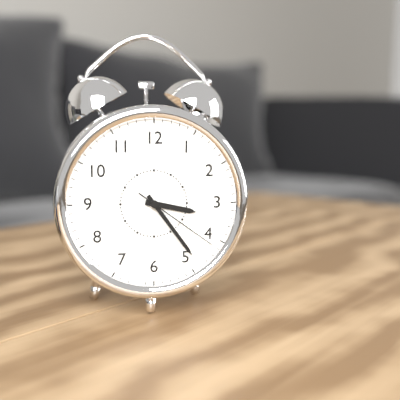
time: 3:24:21
